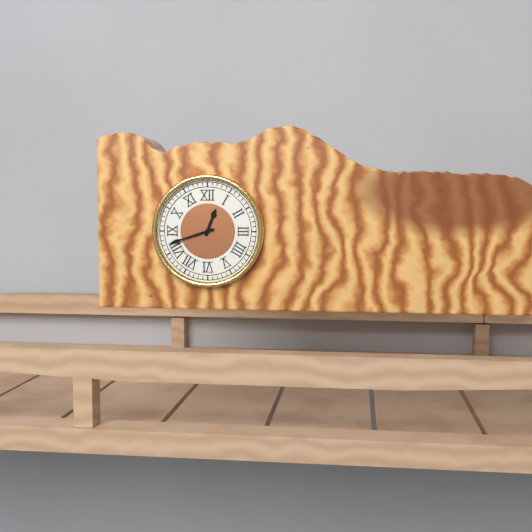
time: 12:42
